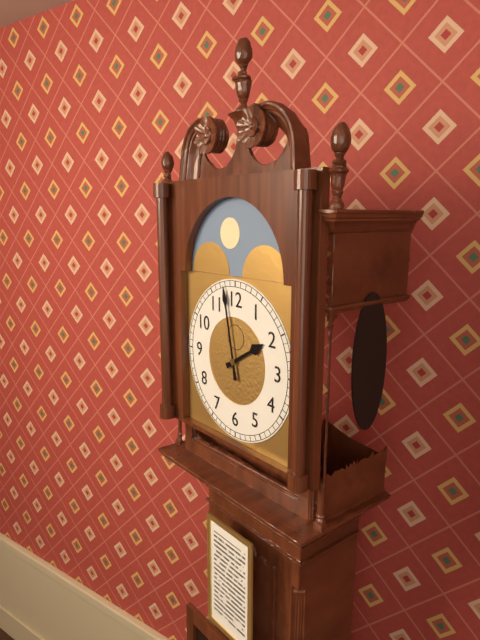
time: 1:58
